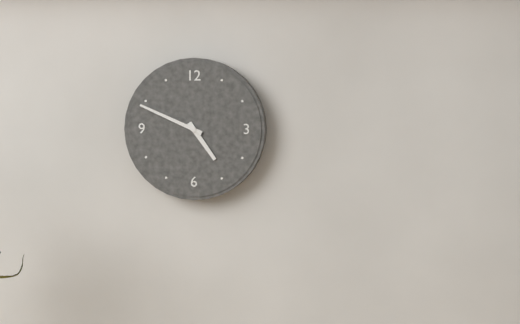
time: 4:49
